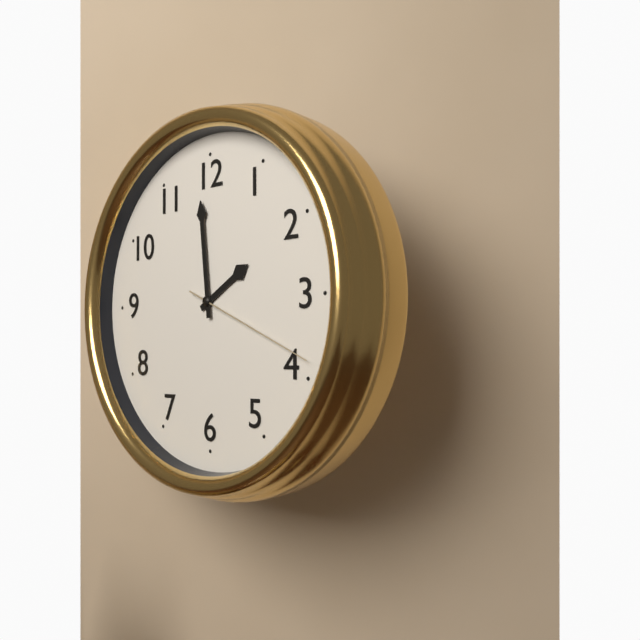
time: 1:59:19
